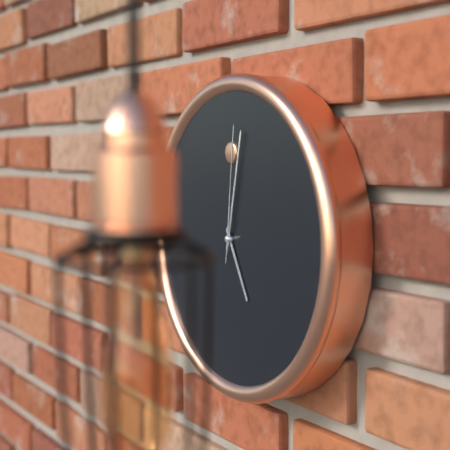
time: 5:02:01
